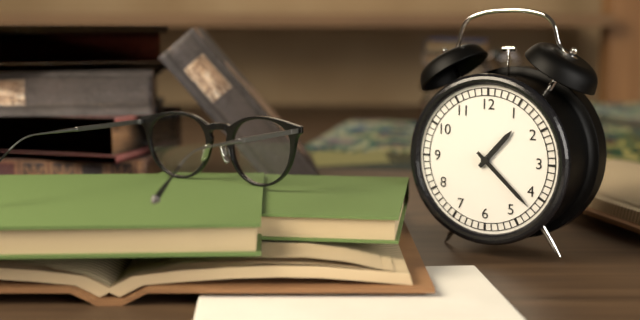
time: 1:22
